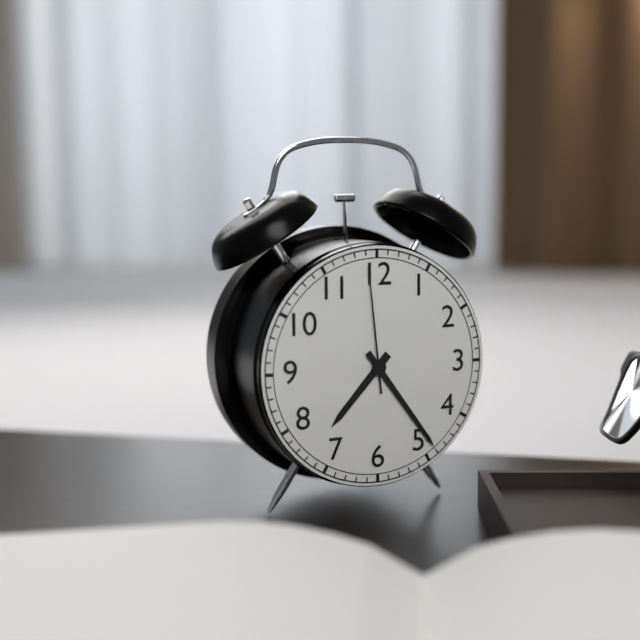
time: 7:24:59
